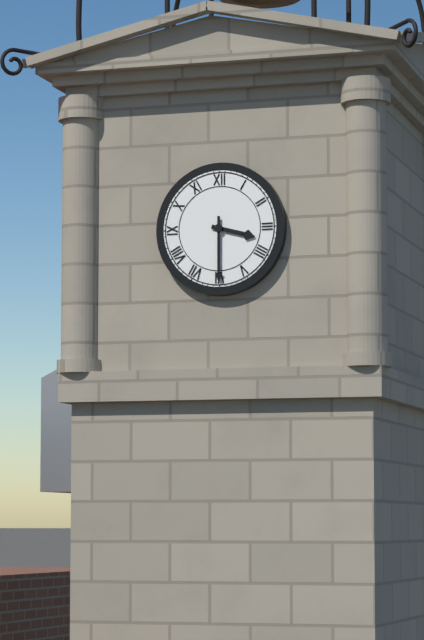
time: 3:30
